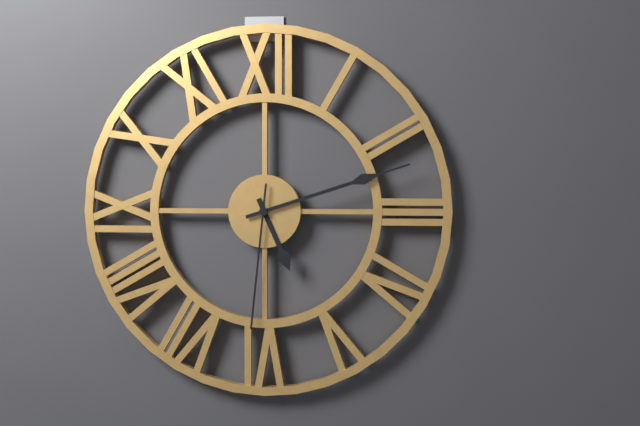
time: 5:12:31
